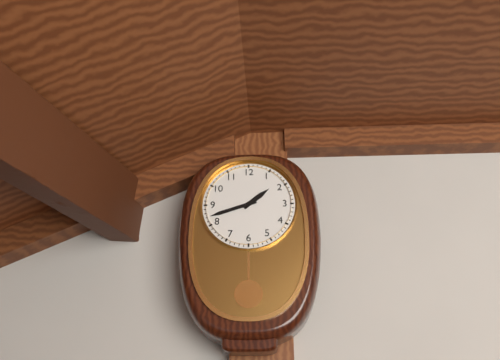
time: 1:42
